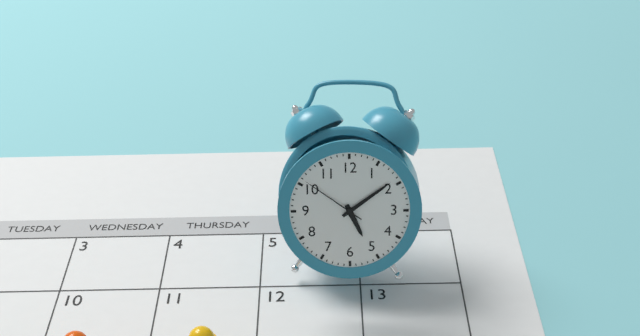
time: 5:09:51
